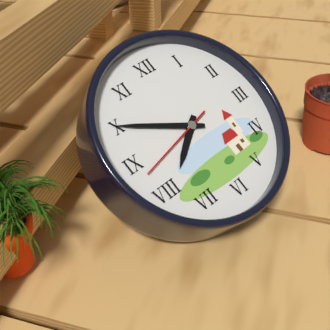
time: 7:50:43
